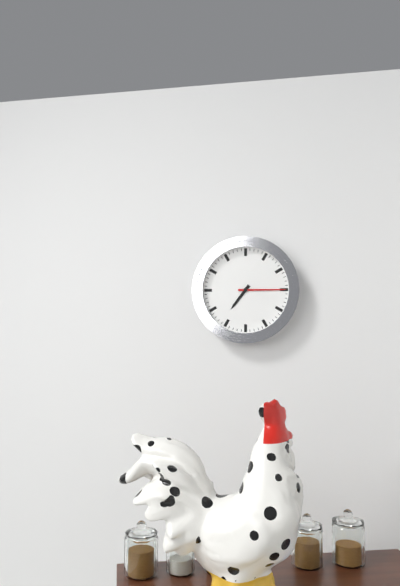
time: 7:15
